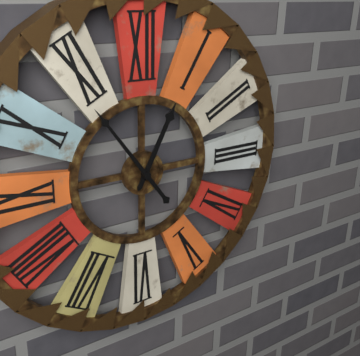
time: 12:54
